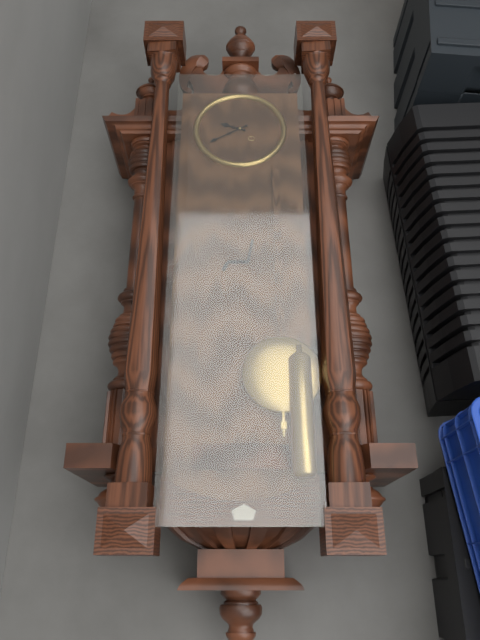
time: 9:40
